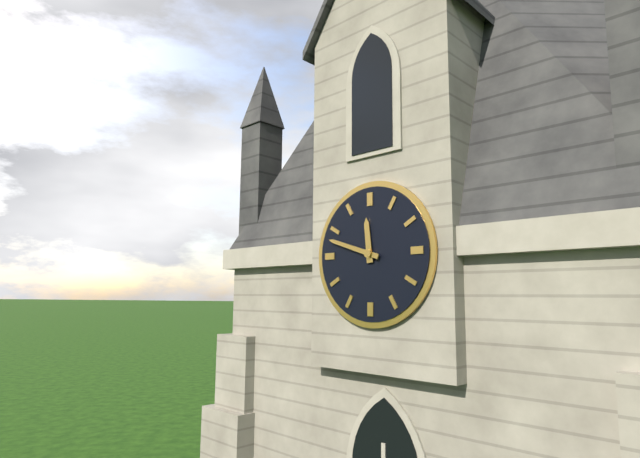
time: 11:48
